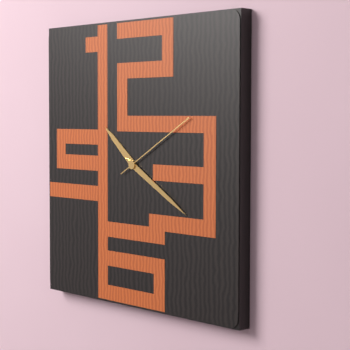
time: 10:20:10
